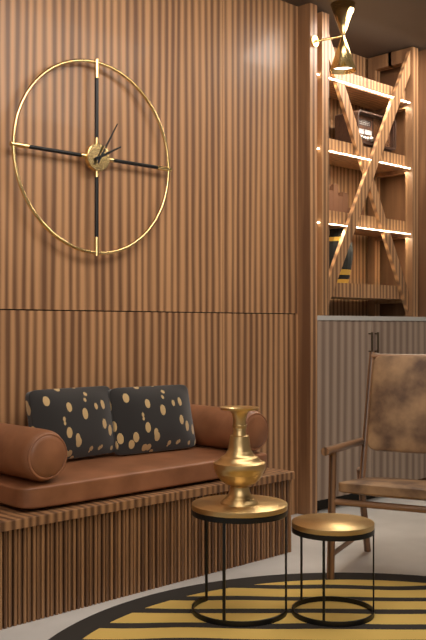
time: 2:05
